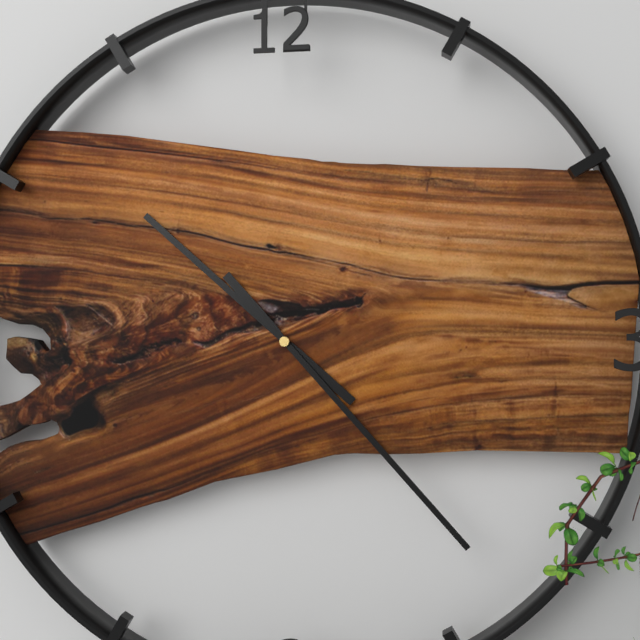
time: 10:23
